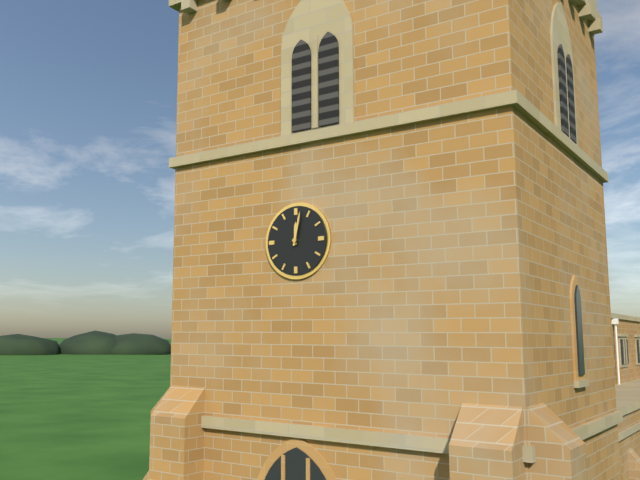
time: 12:02
